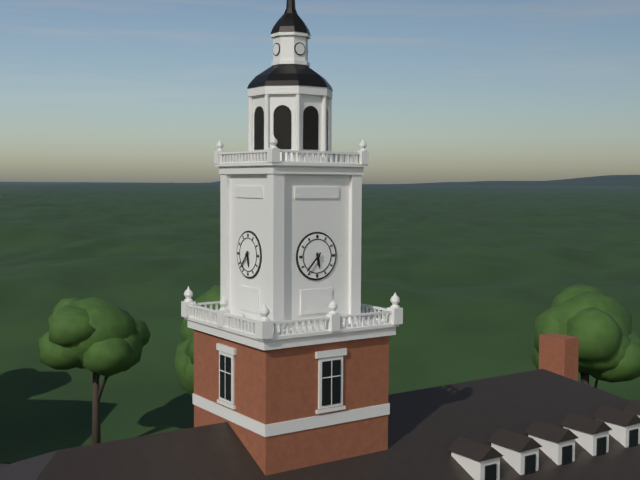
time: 5:37
